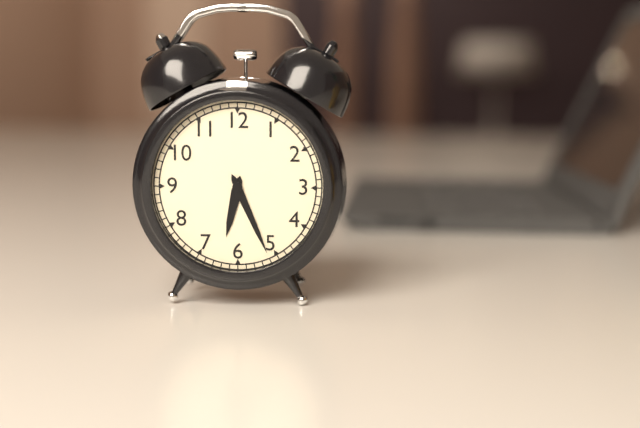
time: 6:26
